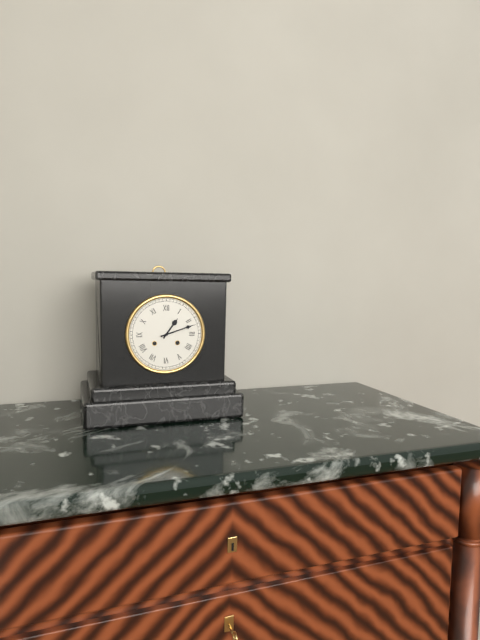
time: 1:12
